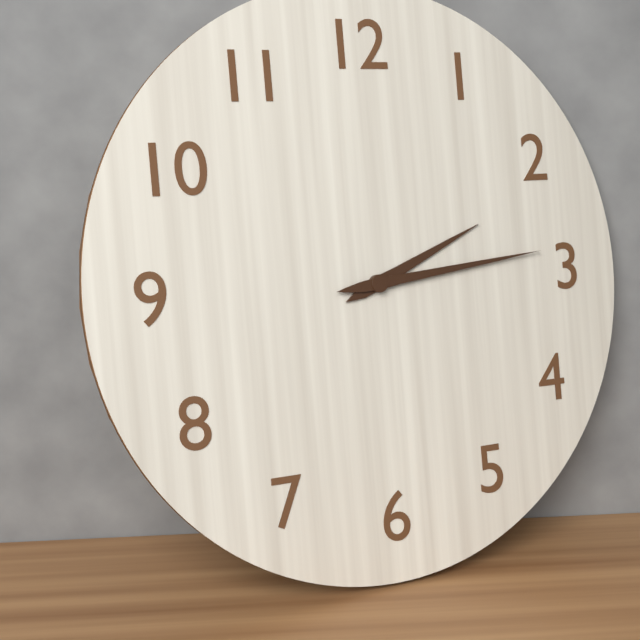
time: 2:14
